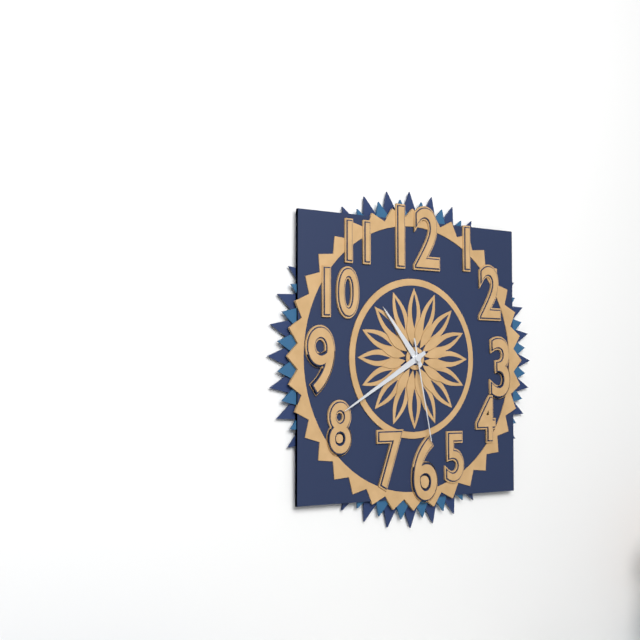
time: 10:40:28
